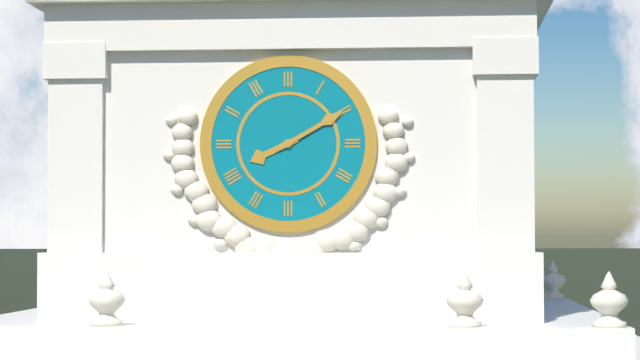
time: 8:10
